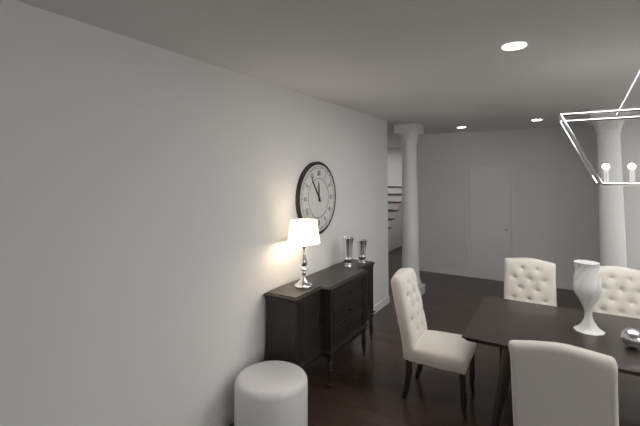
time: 11:54
